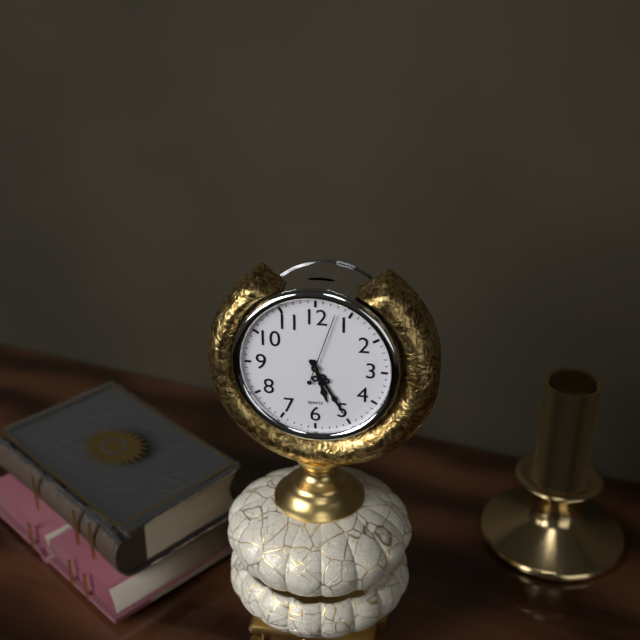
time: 5:25:03
